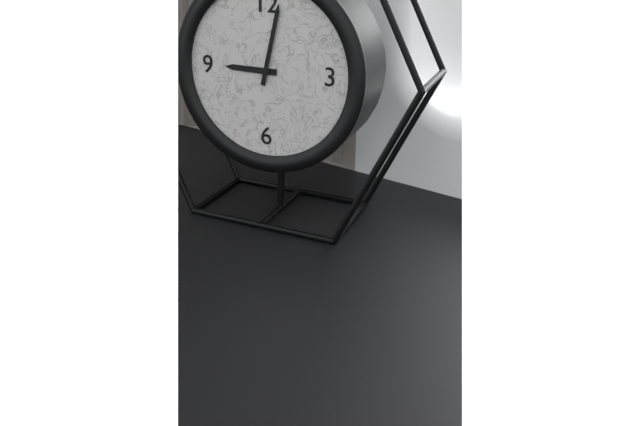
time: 9:02
